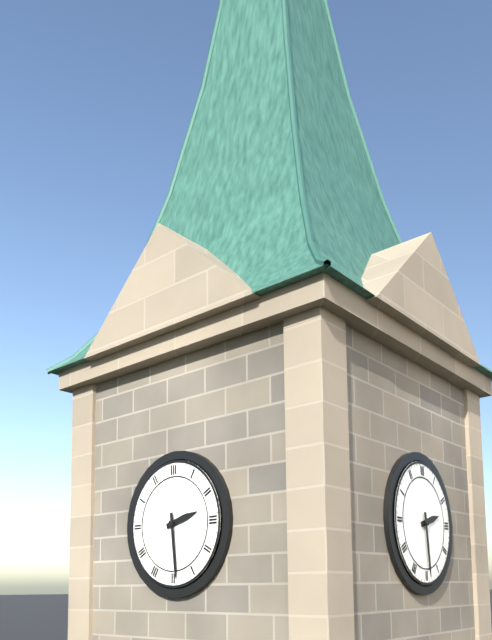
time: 2:29
